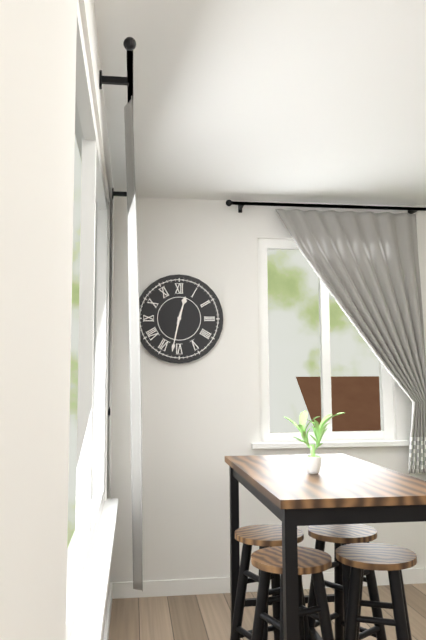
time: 12:32
